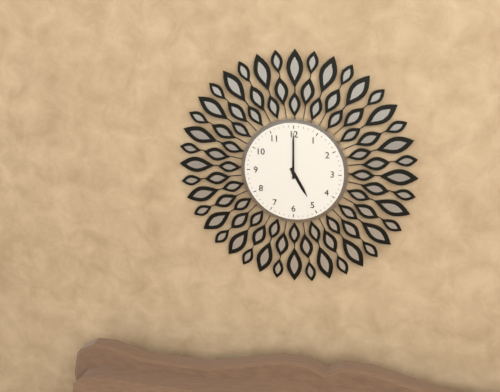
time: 5:00
